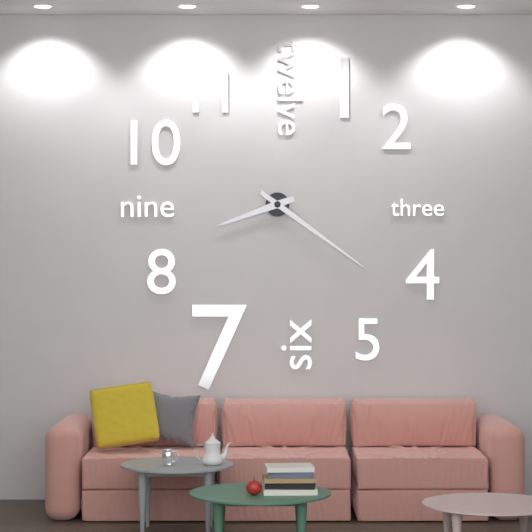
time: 8:21
